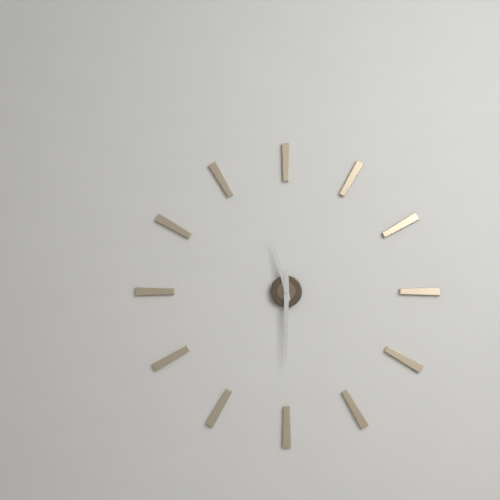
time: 11:30
